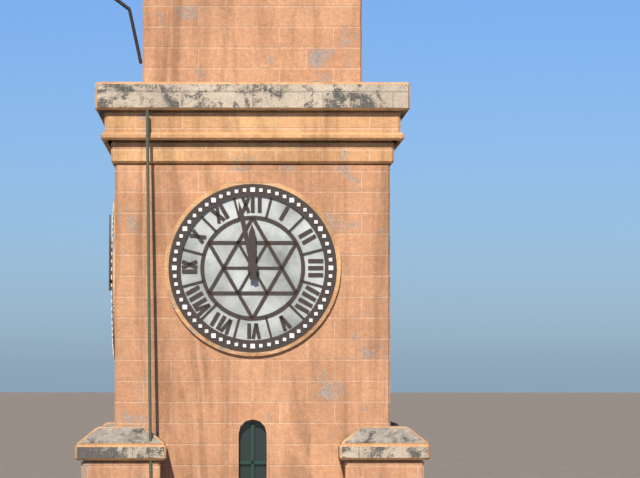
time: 11:58
